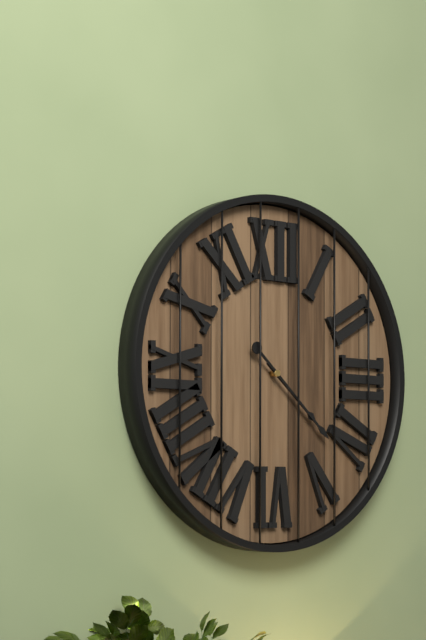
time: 4:22
